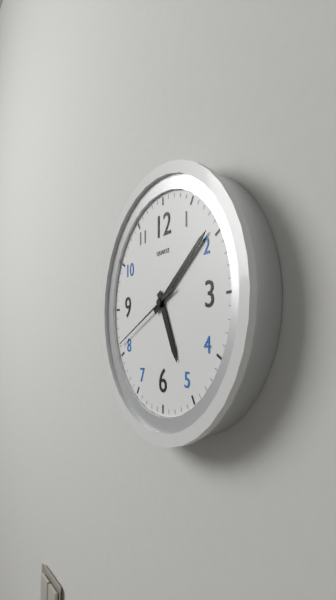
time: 5:09:41
